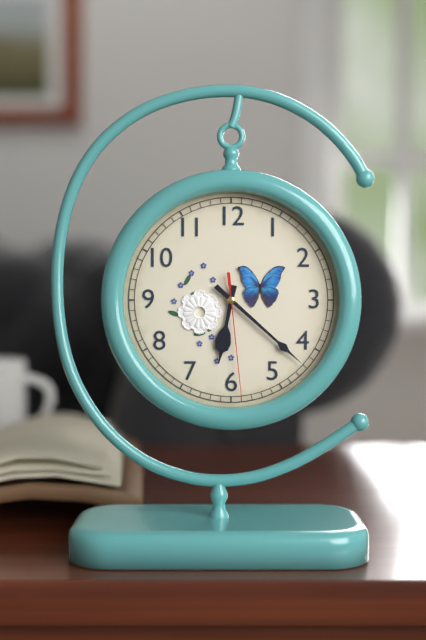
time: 6:22:29
